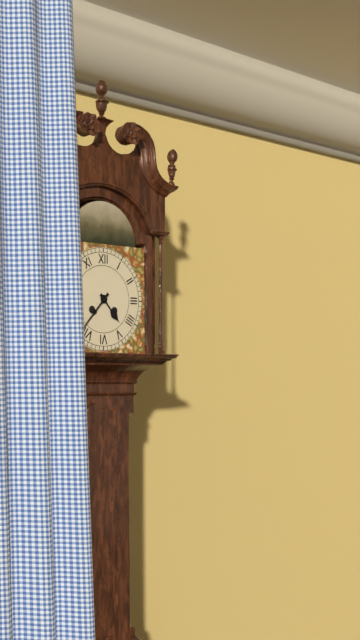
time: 4:37
